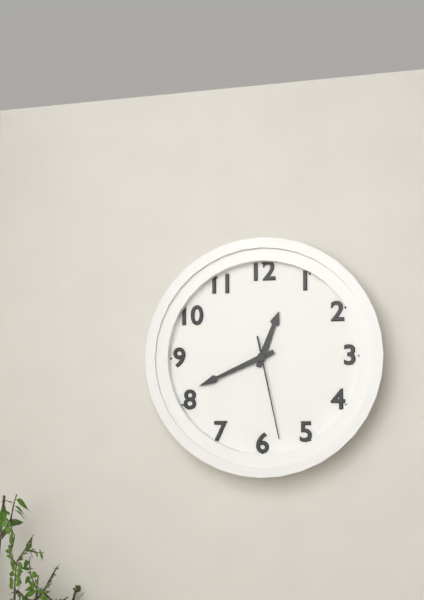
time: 12:41:28
